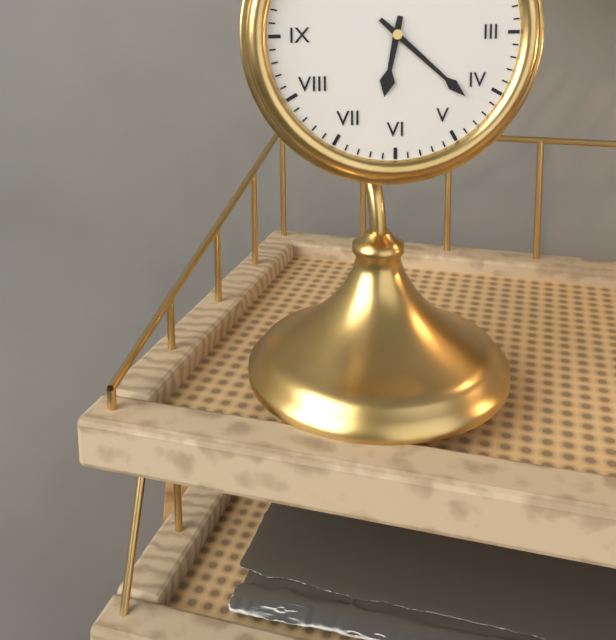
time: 6:22
